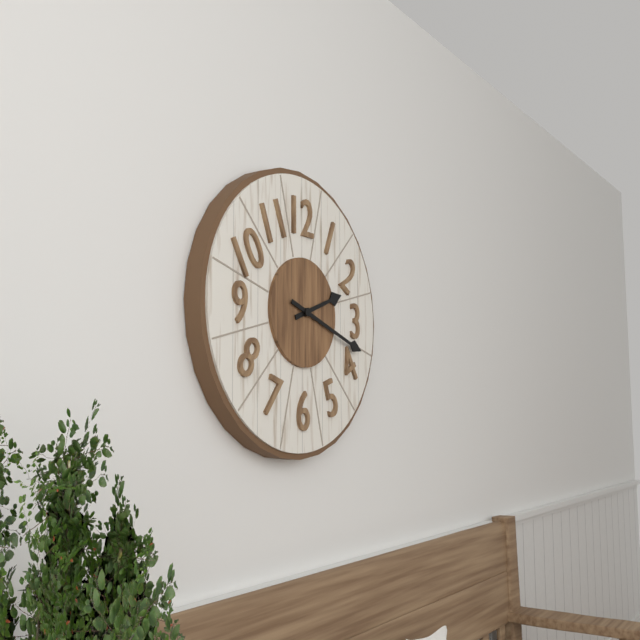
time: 2:18
